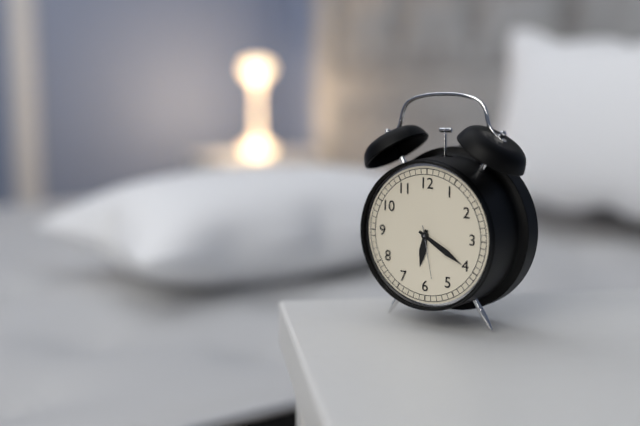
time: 6:20:28
